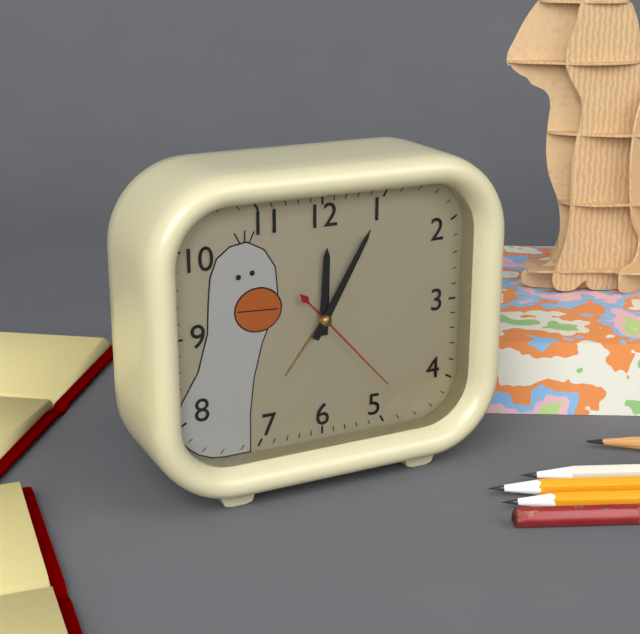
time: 12:05:23
